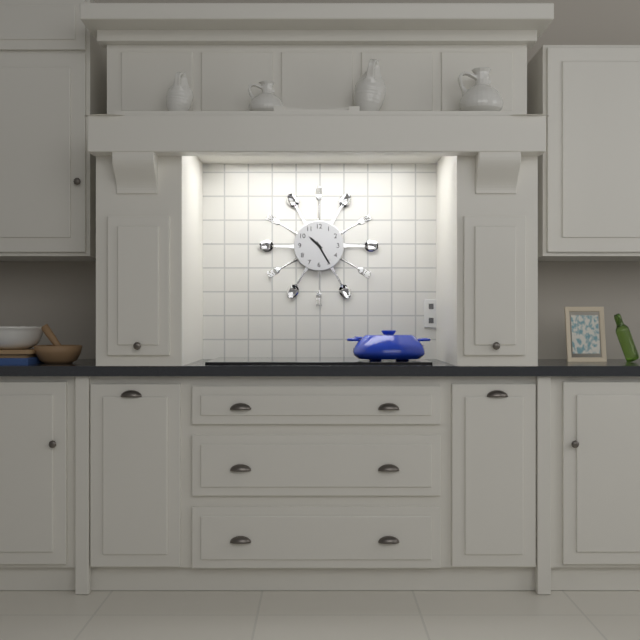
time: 10:25
